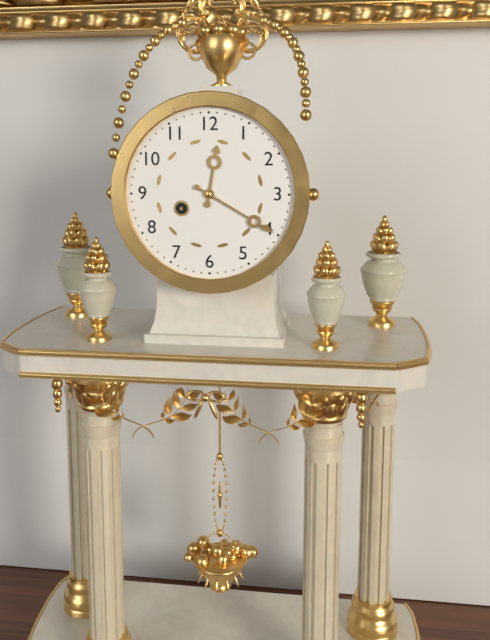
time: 12:20
